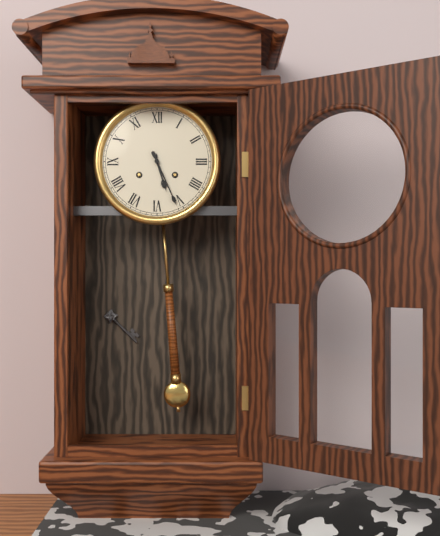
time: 5:26
